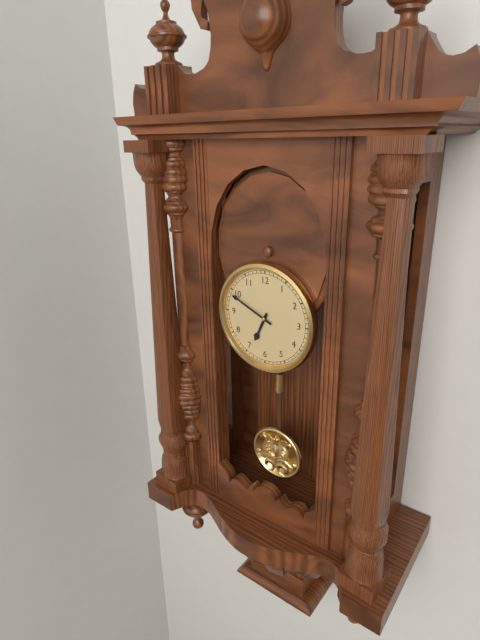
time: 6:49
